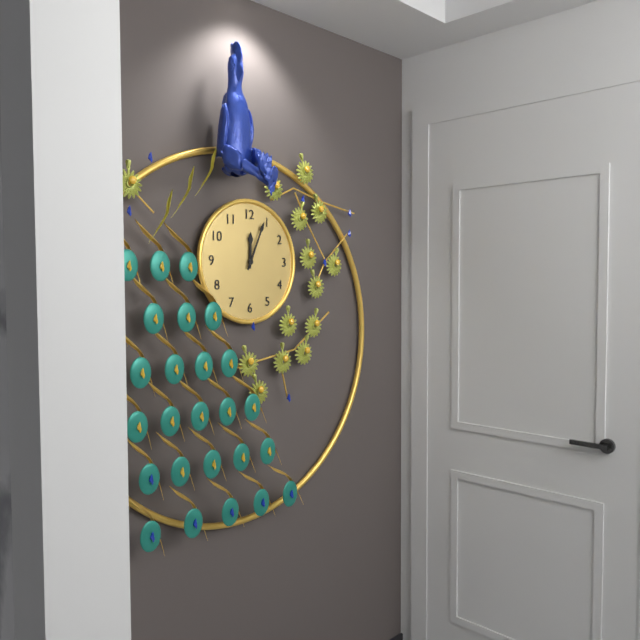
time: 12:04
